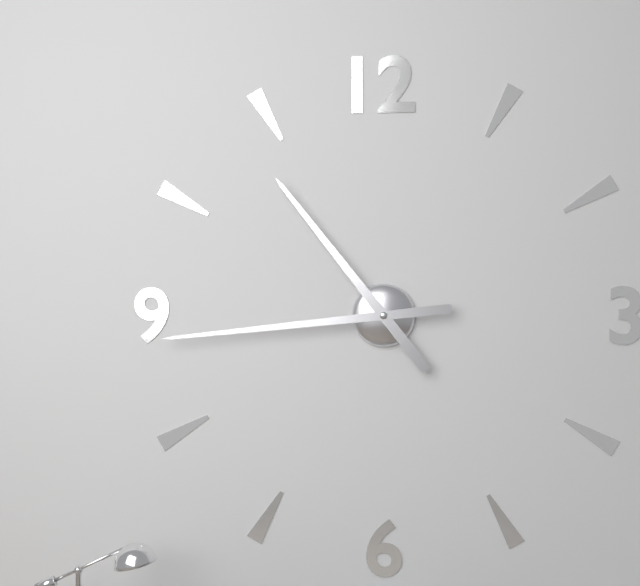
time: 10:44
